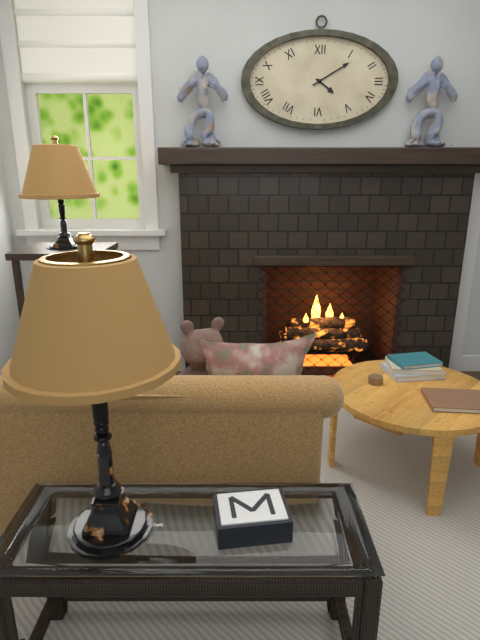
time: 4:10
